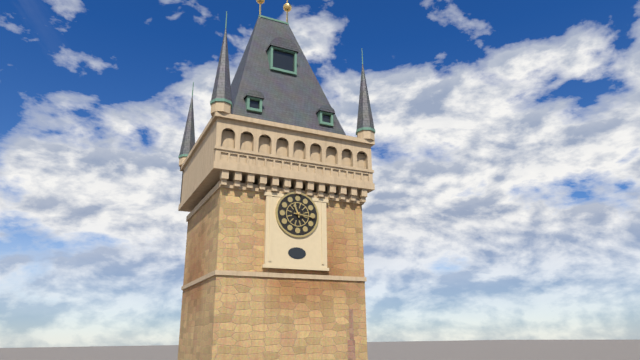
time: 11:16
